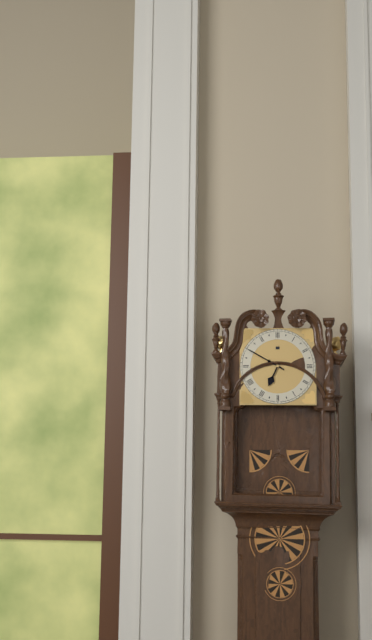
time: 6:50
